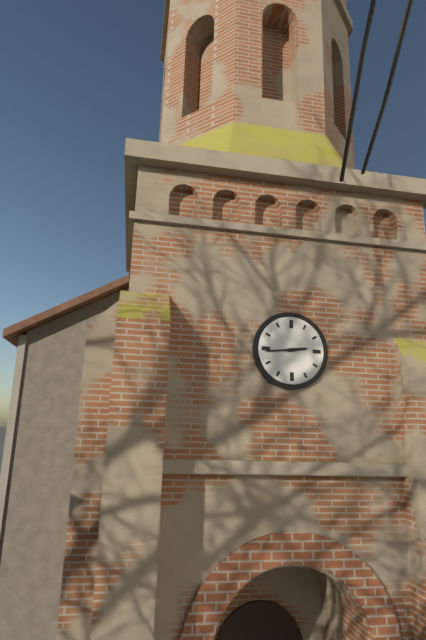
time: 2:44
